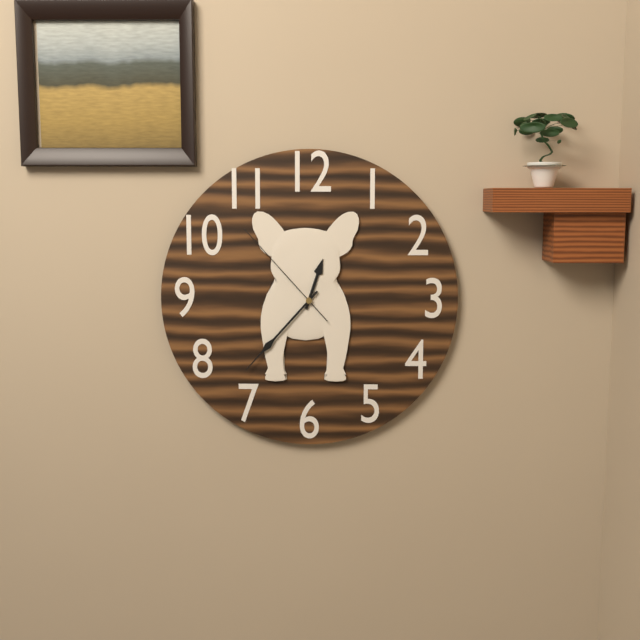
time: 12:37:53
